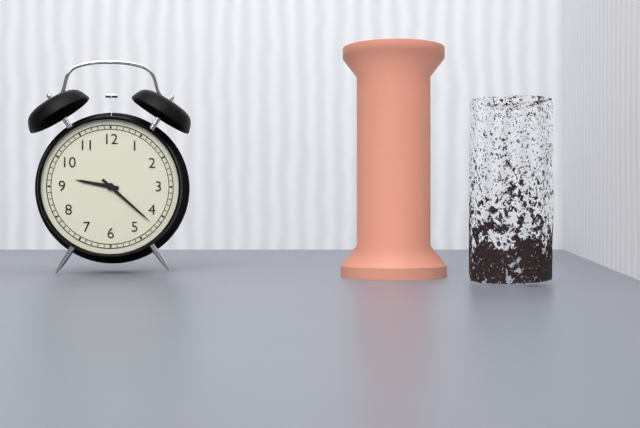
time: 9:22
